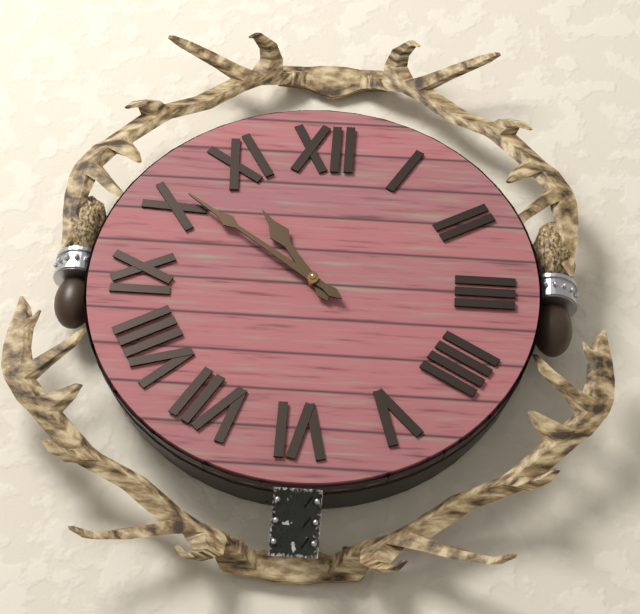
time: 10:51
